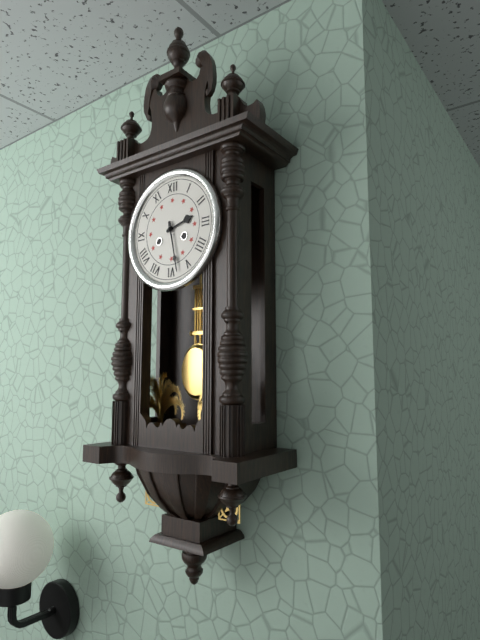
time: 2:28
